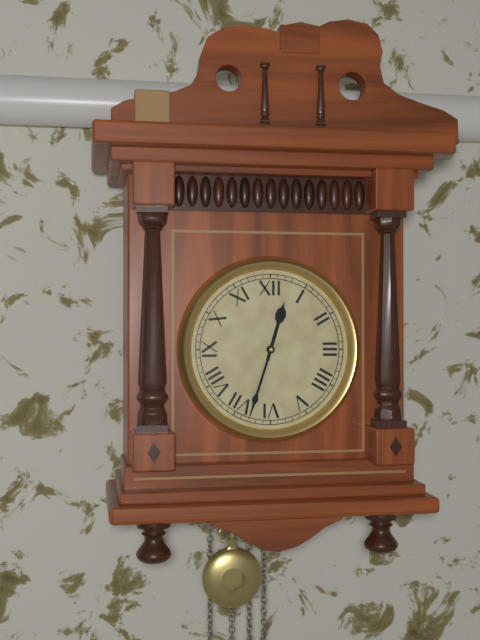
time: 12:33
